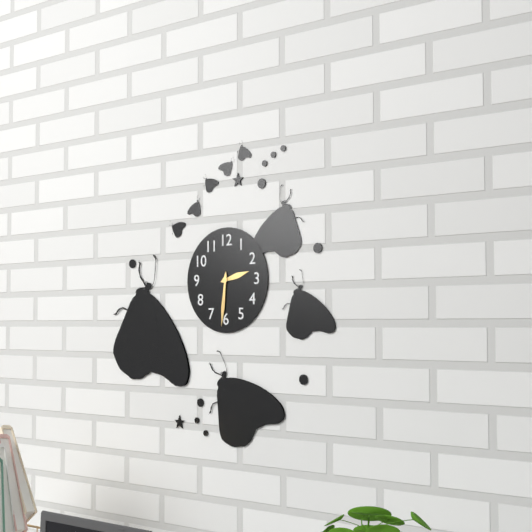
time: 2:31
